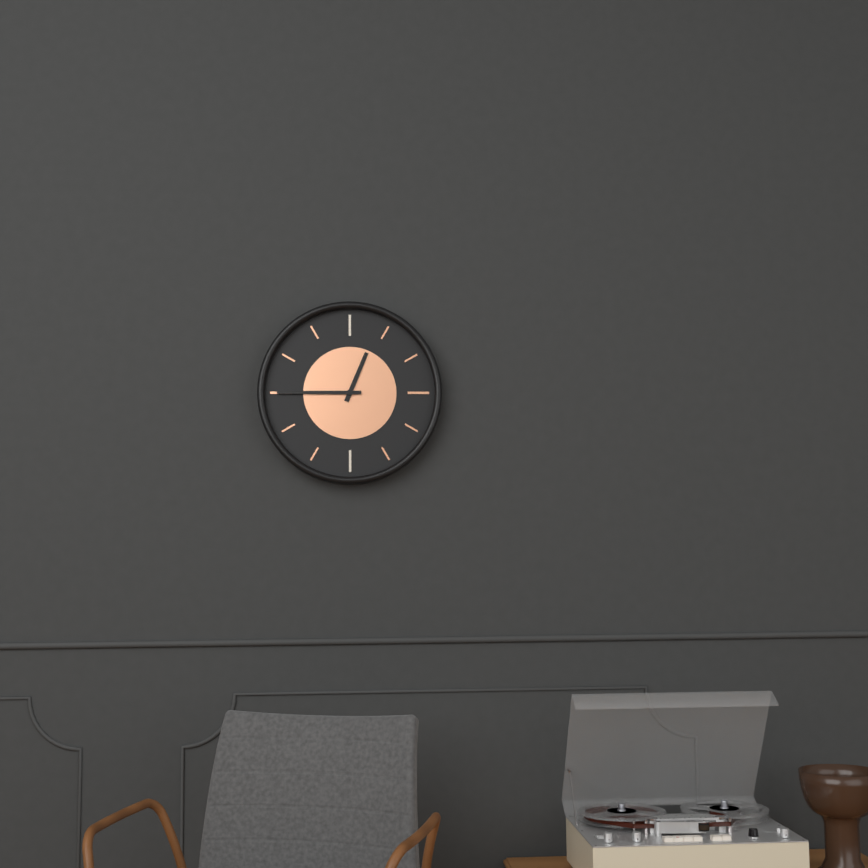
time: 12:45
